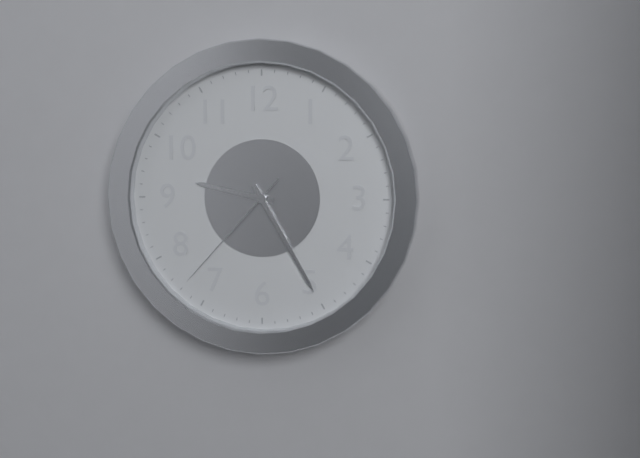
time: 9:25:37
